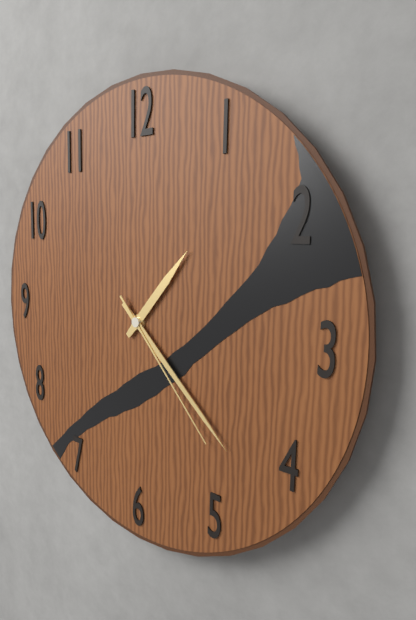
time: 1:22:23
